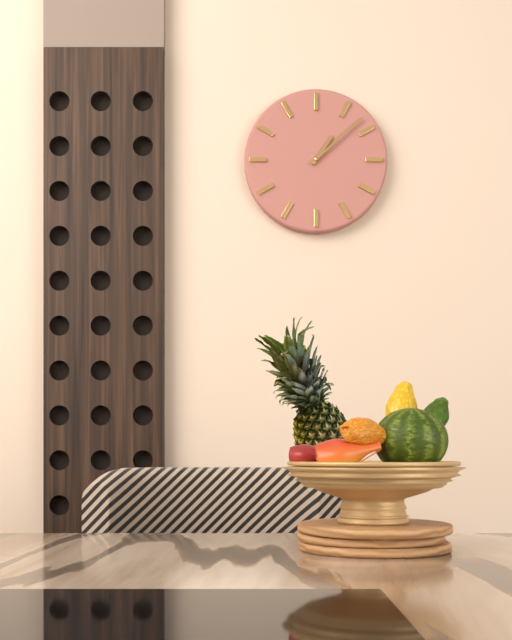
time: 1:08
